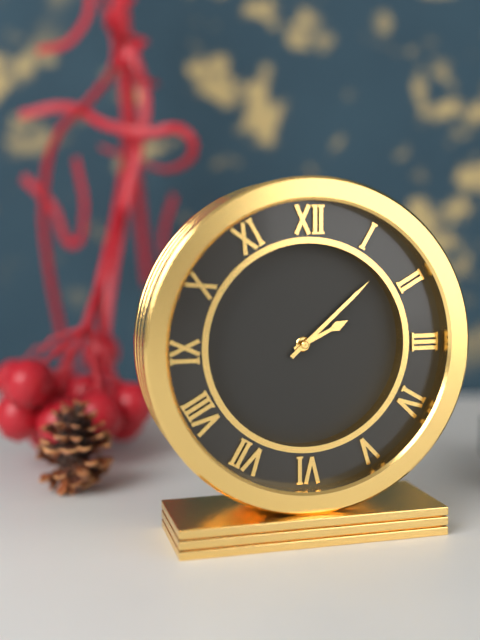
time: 2:08
